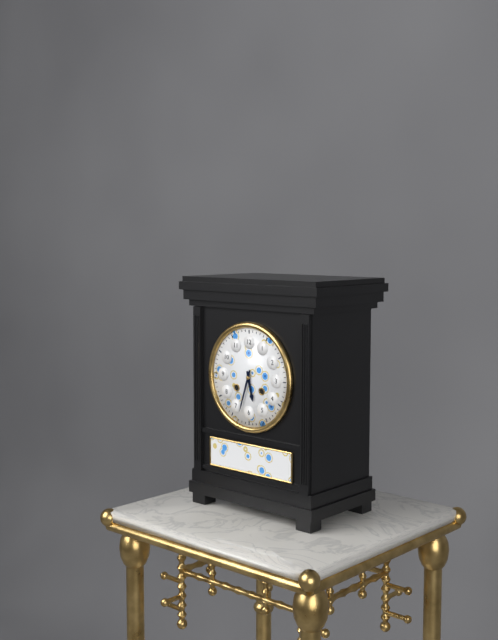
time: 5:33
